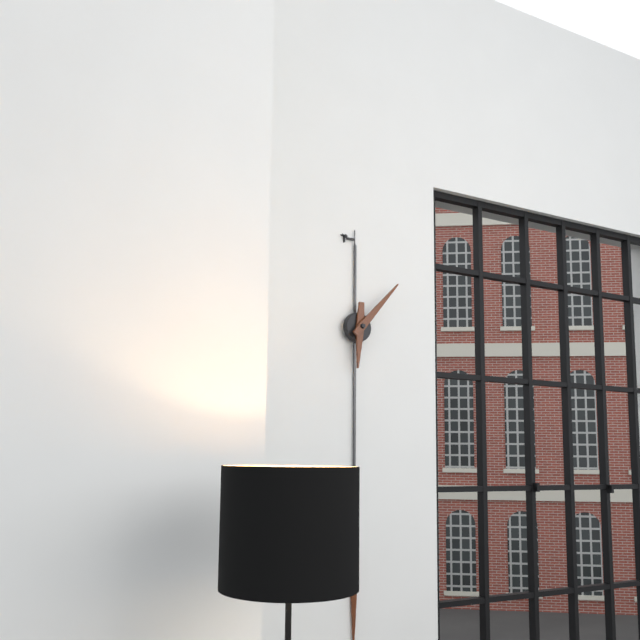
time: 6:07
